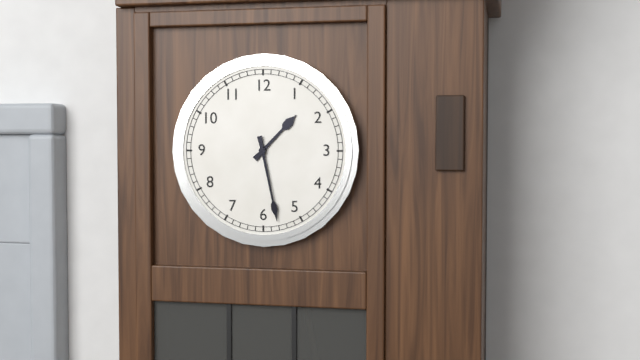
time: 1:28
